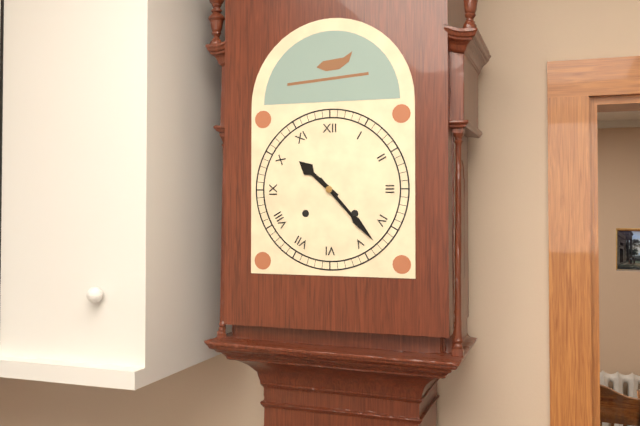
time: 10:23
